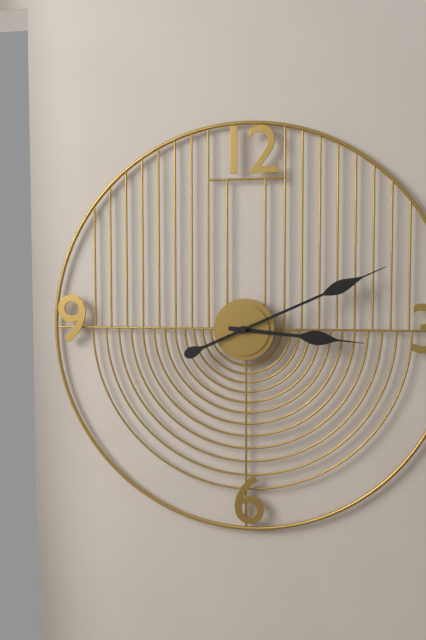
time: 3:11
